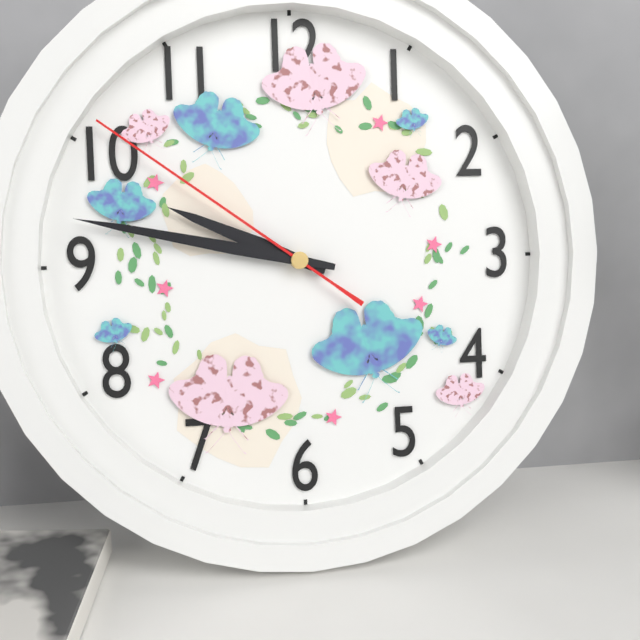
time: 9:47:51
